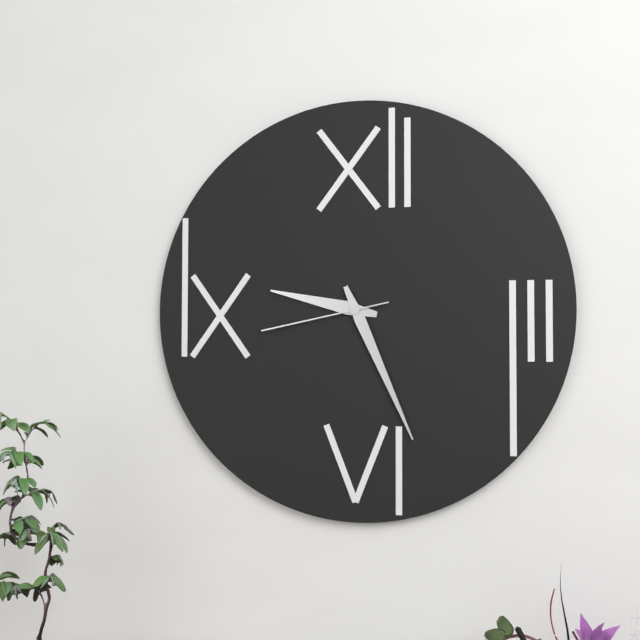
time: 9:26:43
